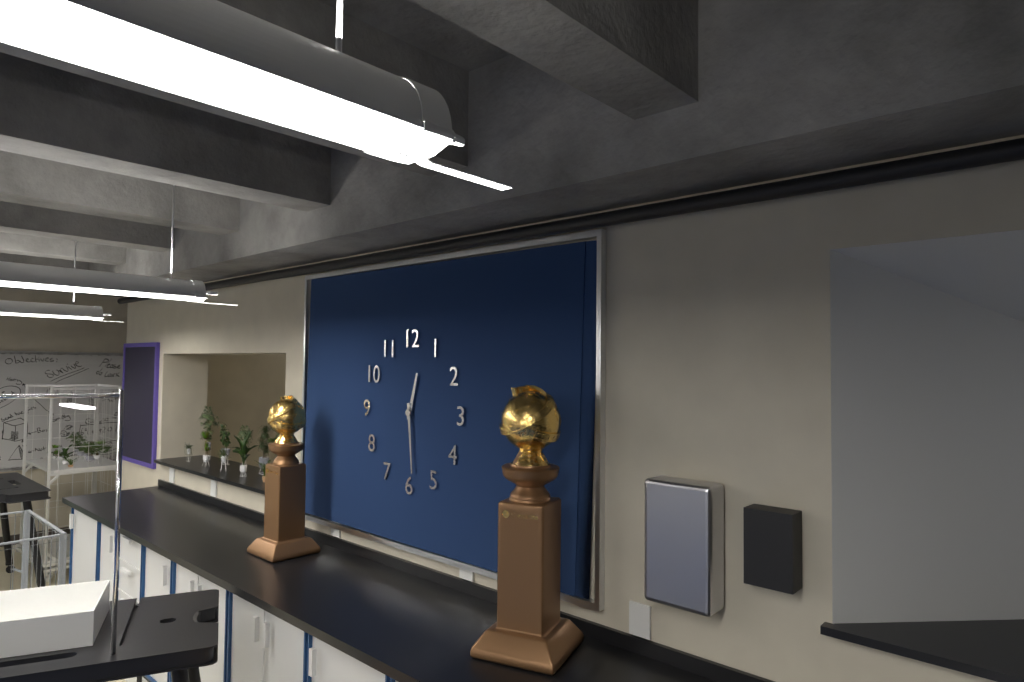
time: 12:29
